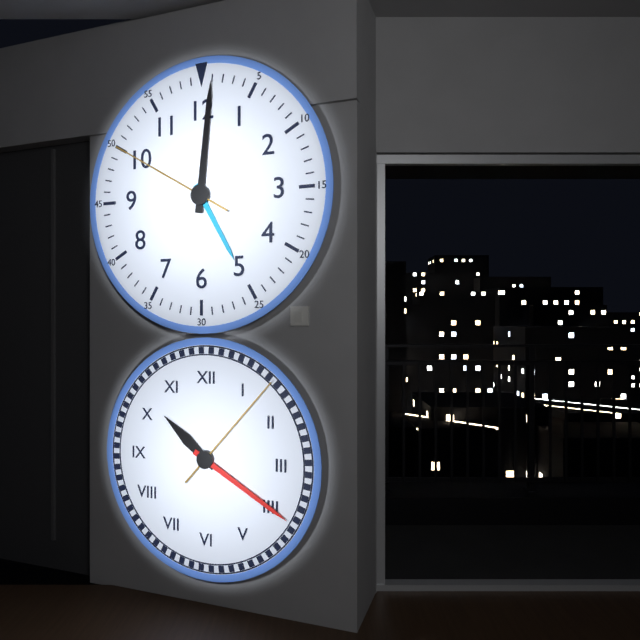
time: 5:01:50
